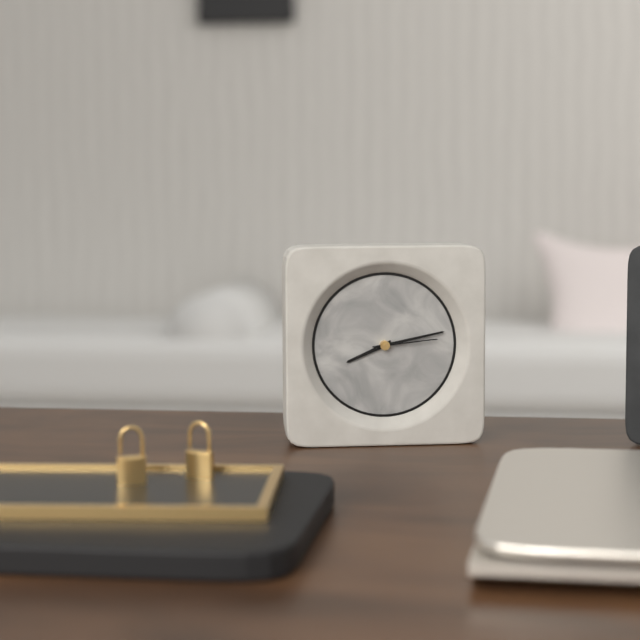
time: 8:13:14
